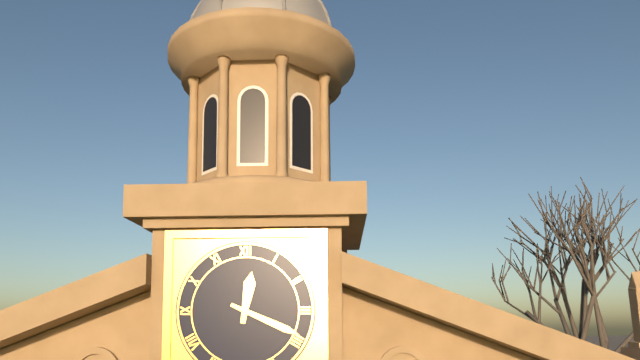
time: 12:19
